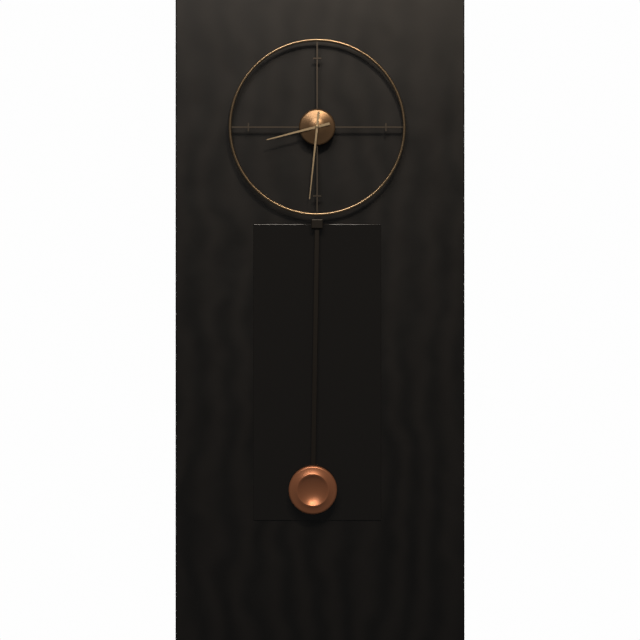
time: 8:31
